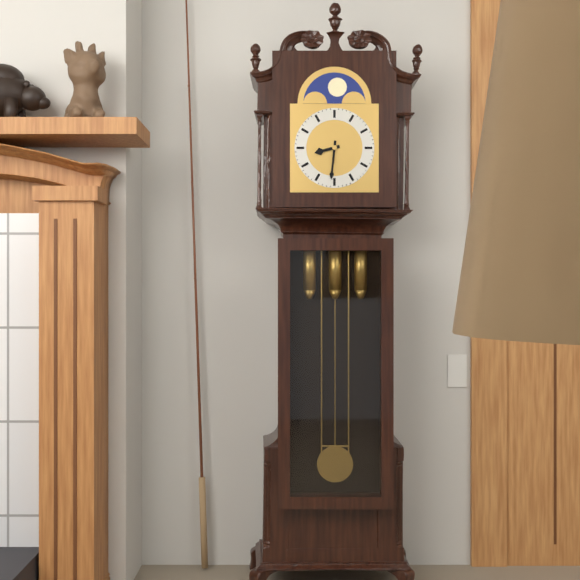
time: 8:31
